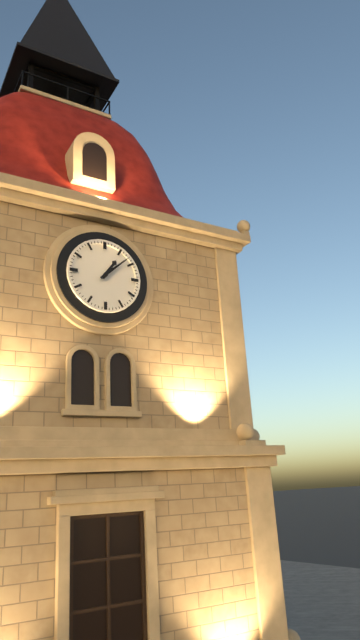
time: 1:08
